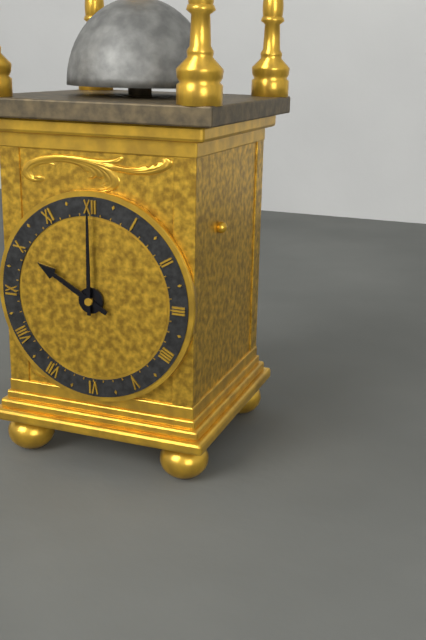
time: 10:00
